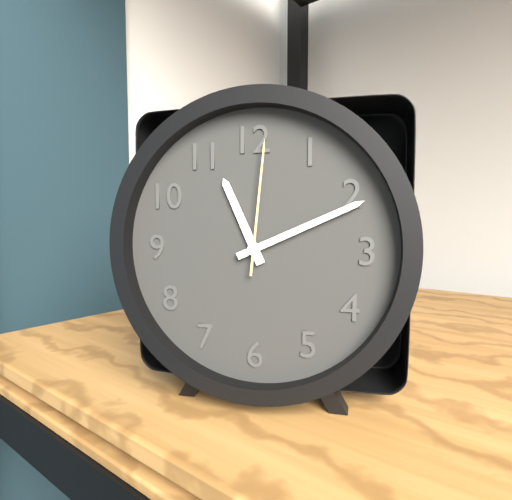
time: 11:11:01
